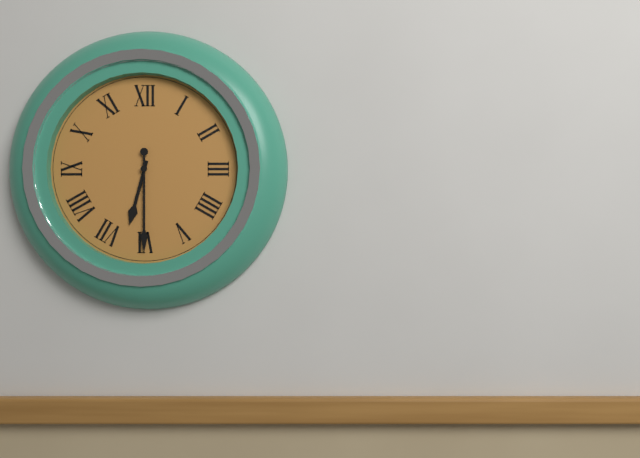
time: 6:30
